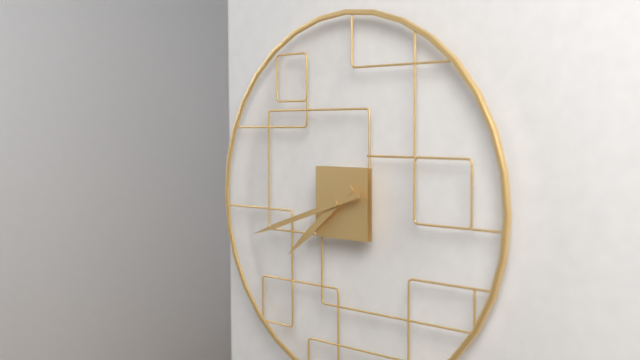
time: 7:42
